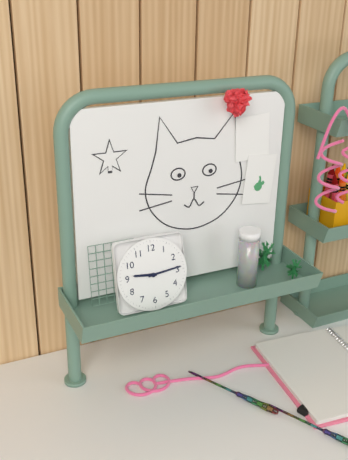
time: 9:14
